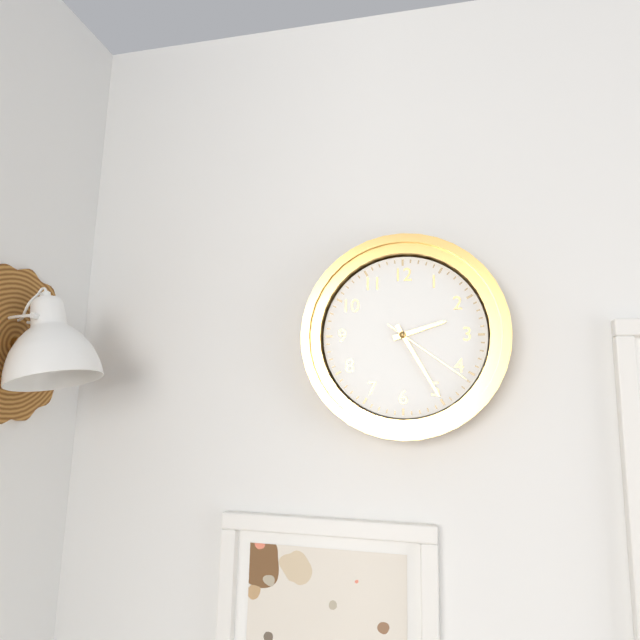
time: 2:25:21
